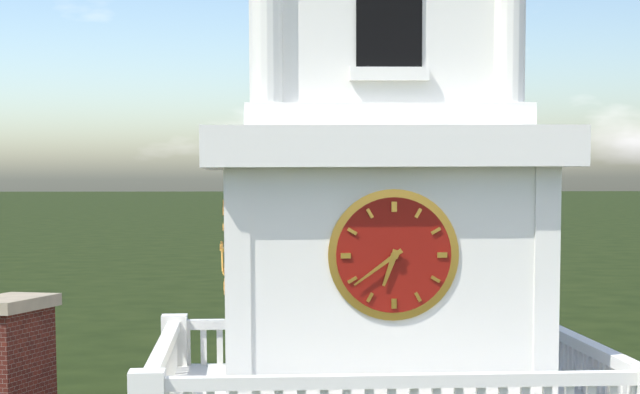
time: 6:39
